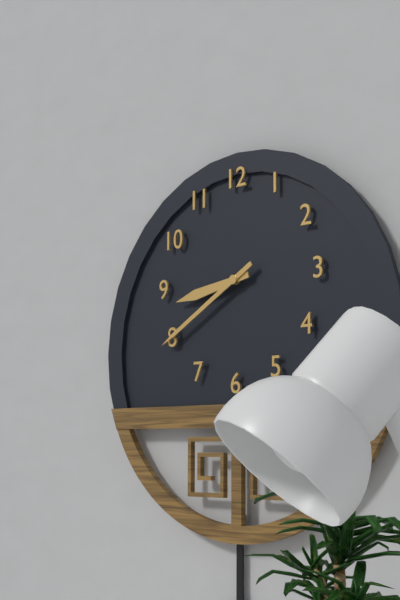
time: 8:40
